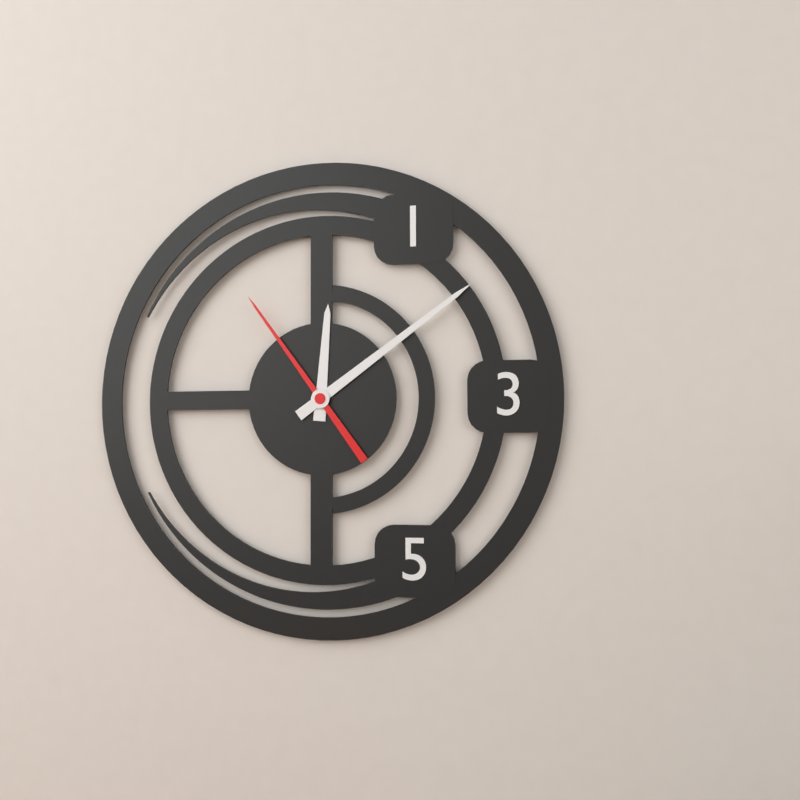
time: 12:09:54
